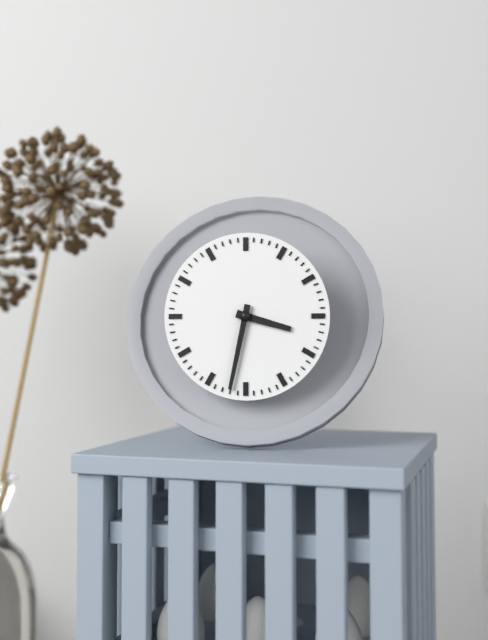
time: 3:32
